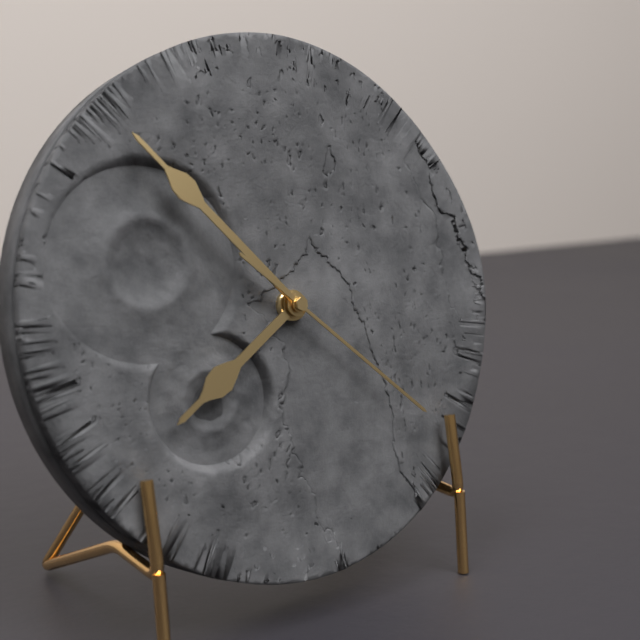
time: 7:53:22
